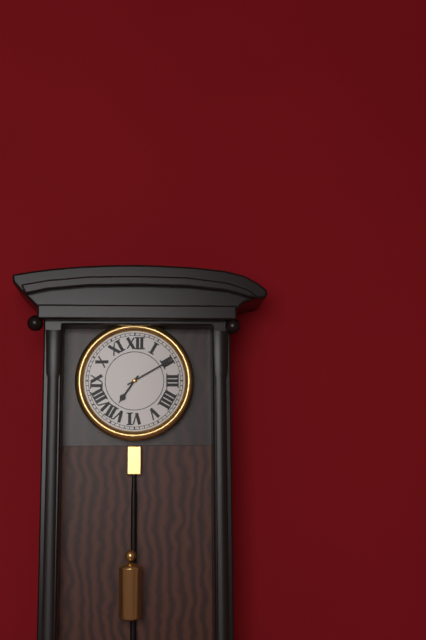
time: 7:10
